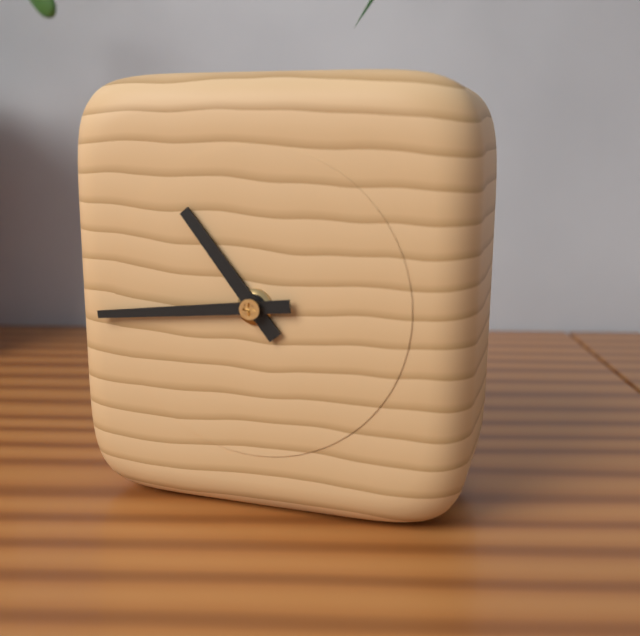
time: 10:44
